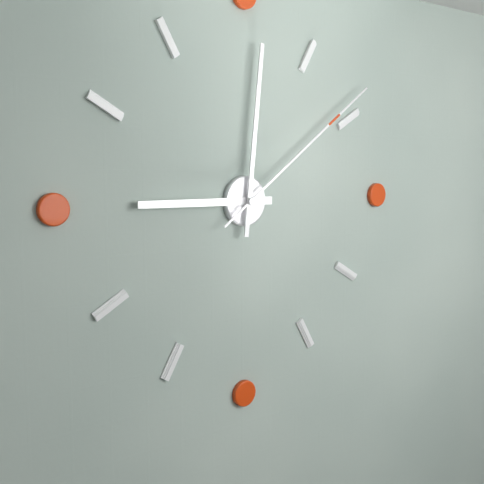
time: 9:01:09
